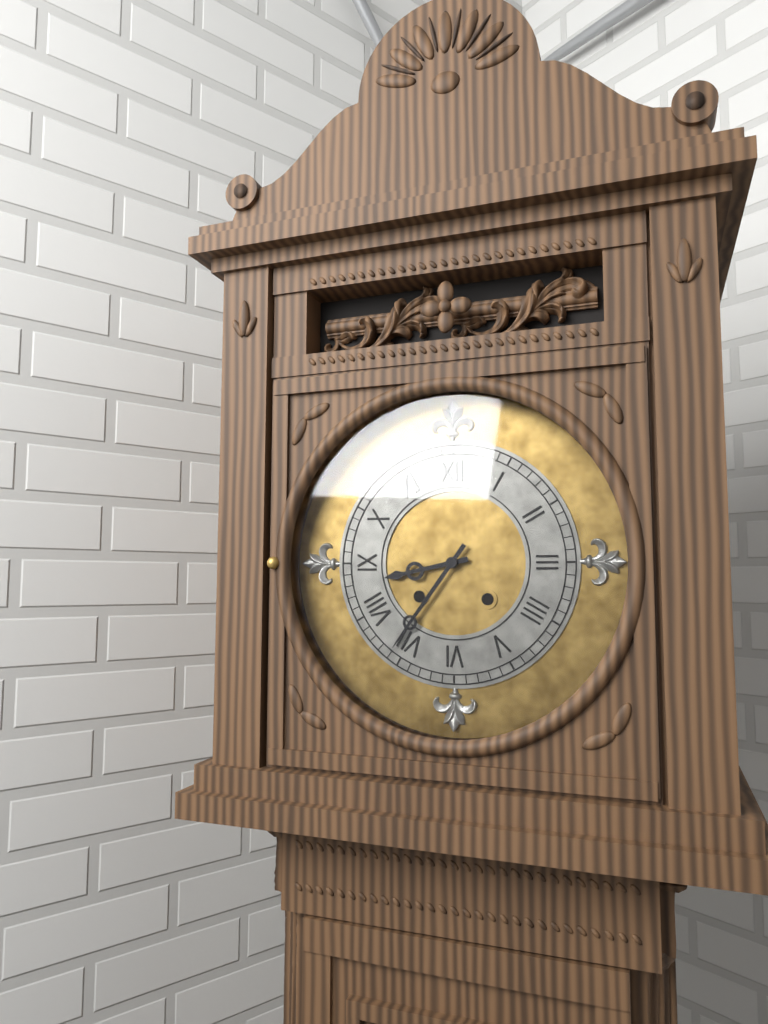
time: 8:36
